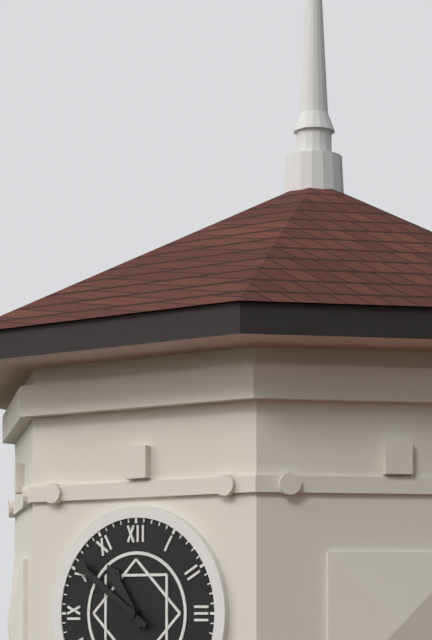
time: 10:51
